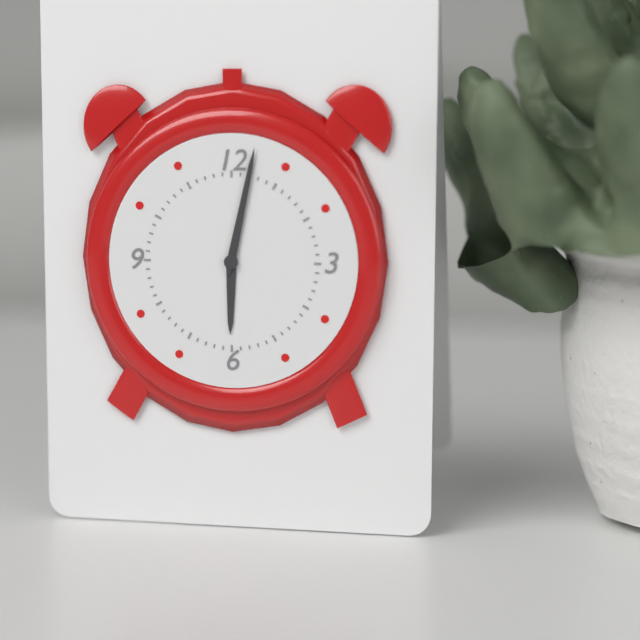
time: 6:02
